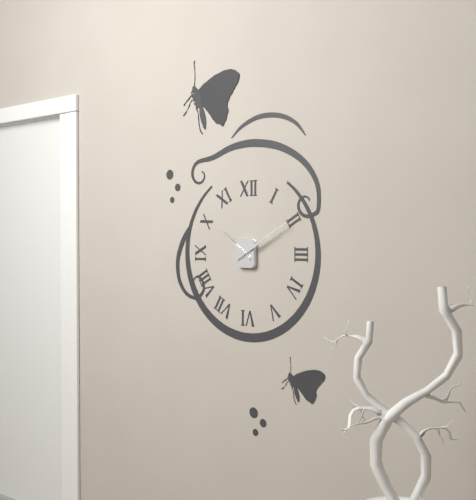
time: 10:10
